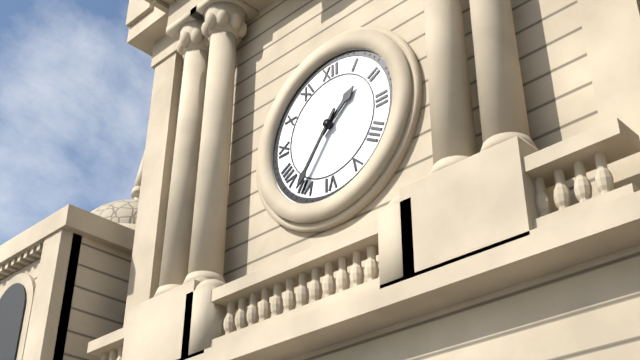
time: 1:36
